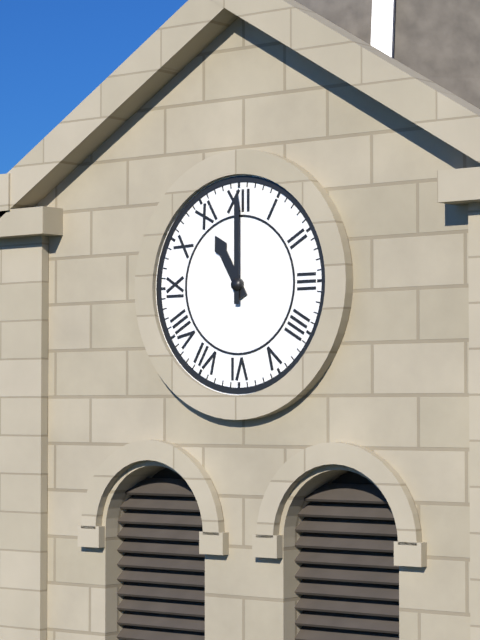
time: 11:00
